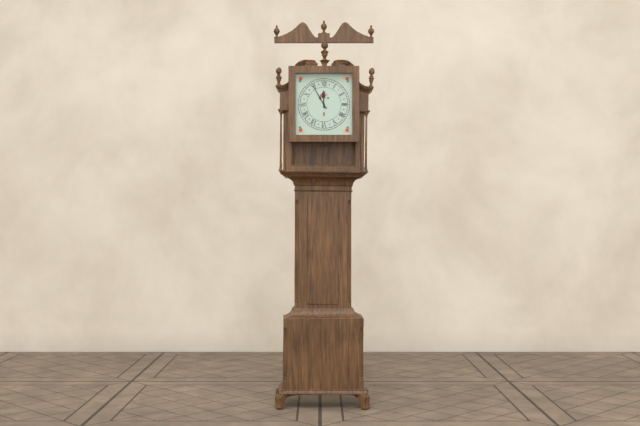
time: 11:55
